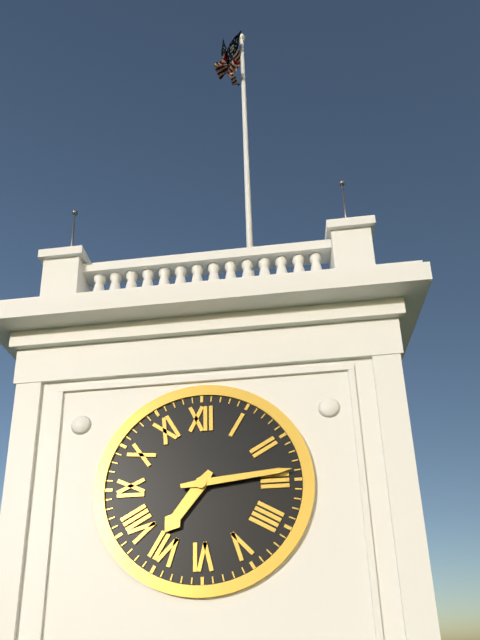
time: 7:14
